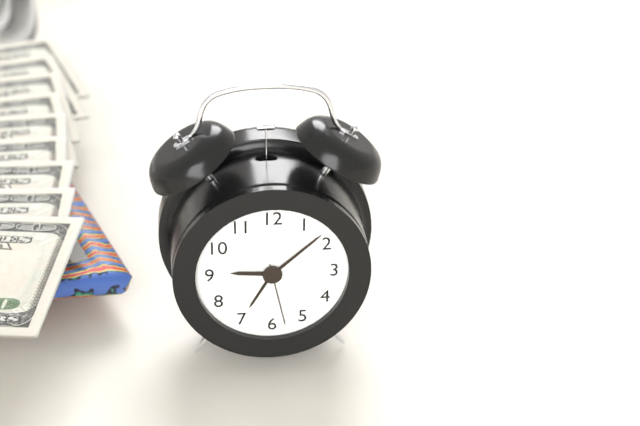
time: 9:08:28
